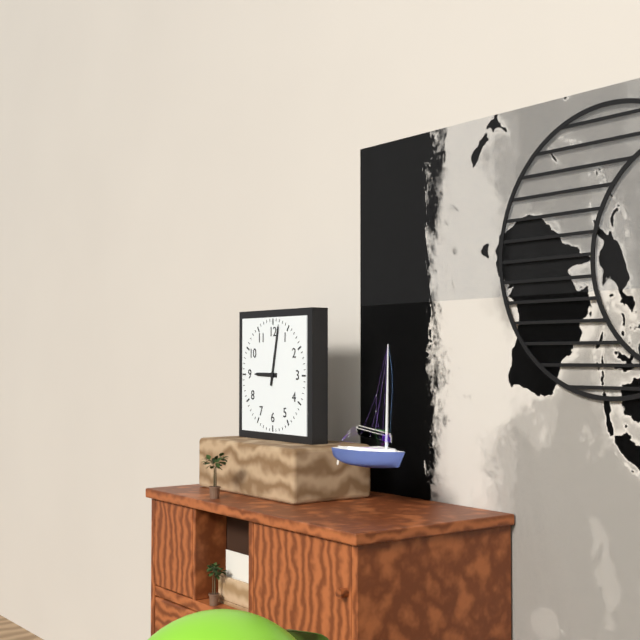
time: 9:02
